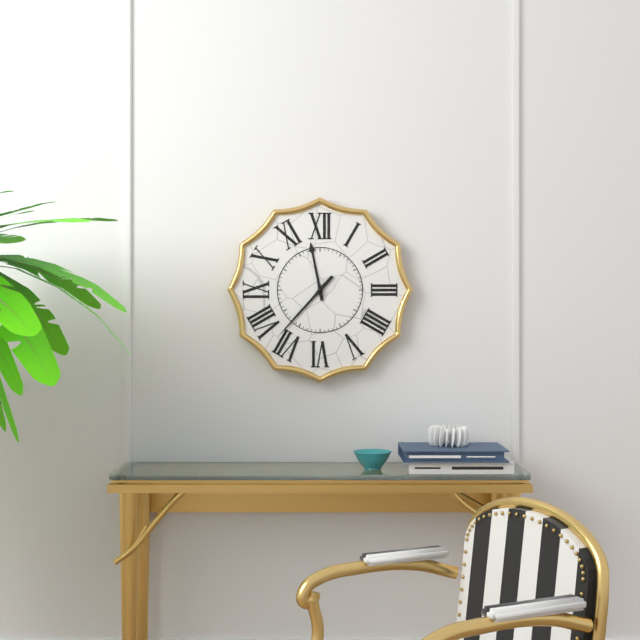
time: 11:37
